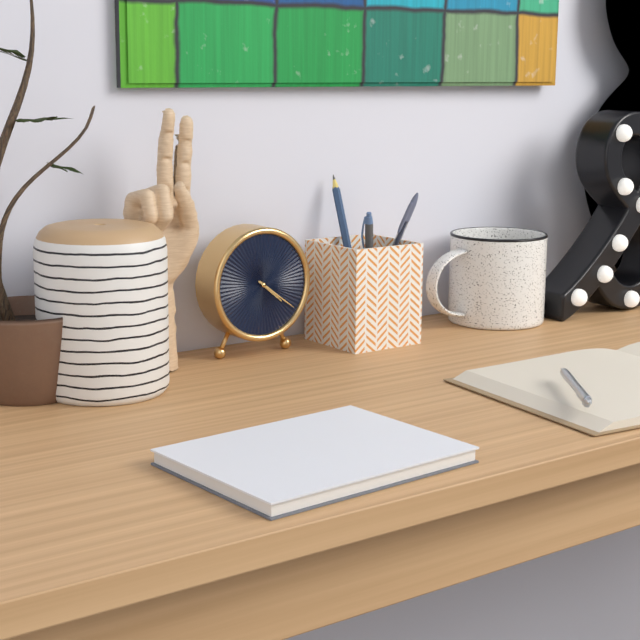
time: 4:21
